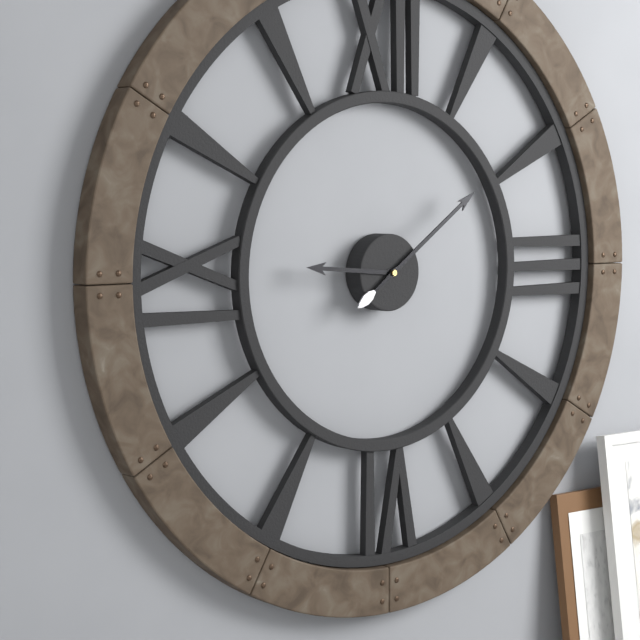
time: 9:09
